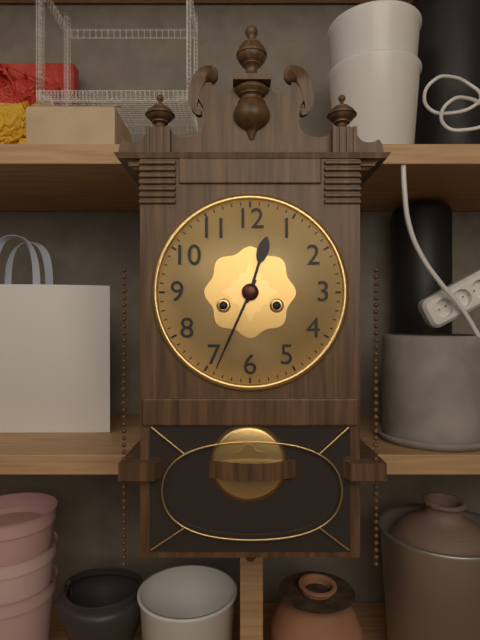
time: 12:34
